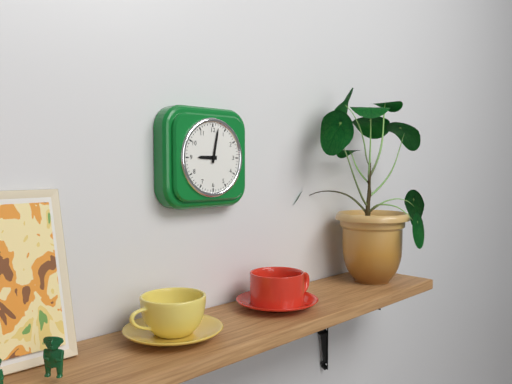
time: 9:02
